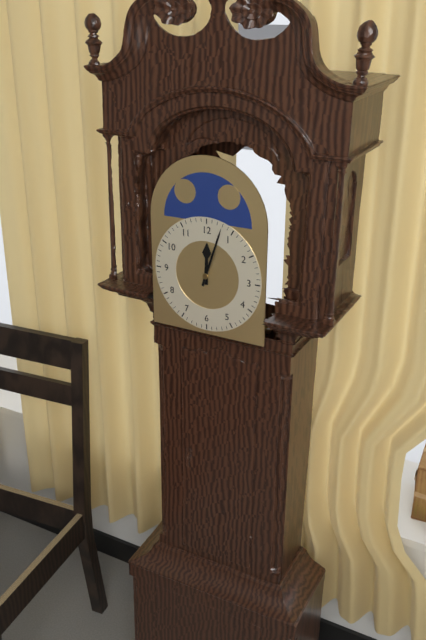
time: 12:03
